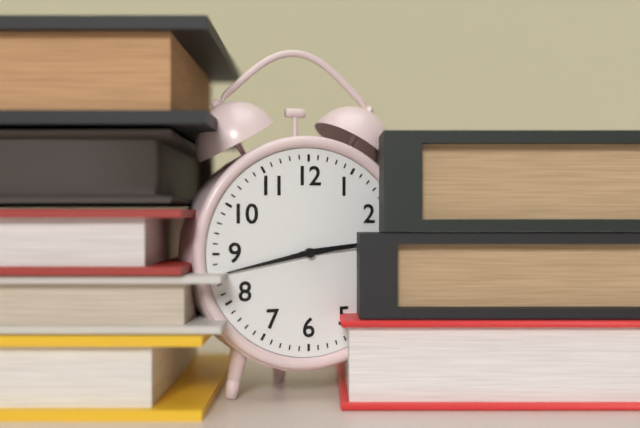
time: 2:43
